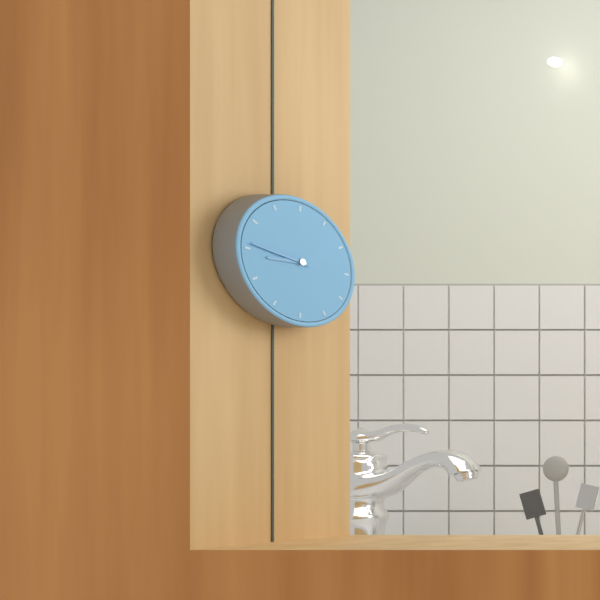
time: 8:46
